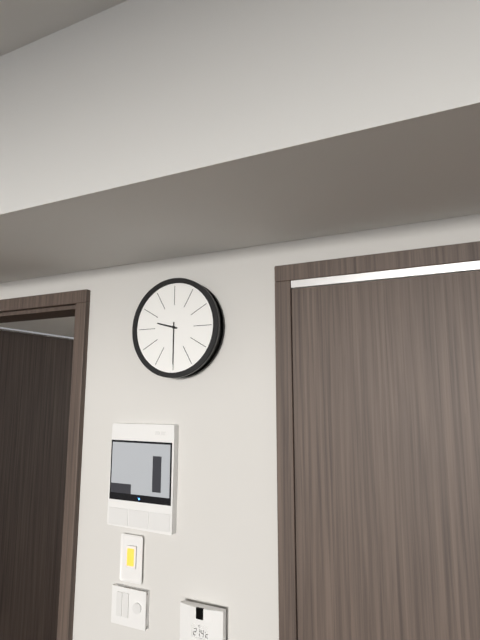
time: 9:30
